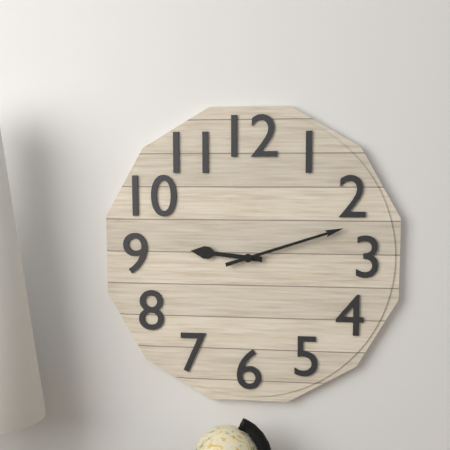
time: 9:12
